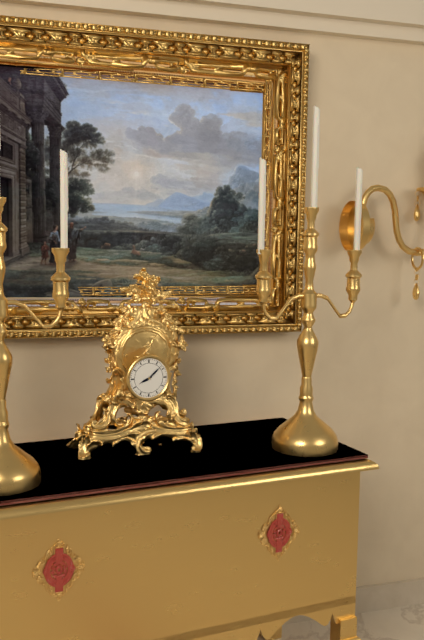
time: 8:08
